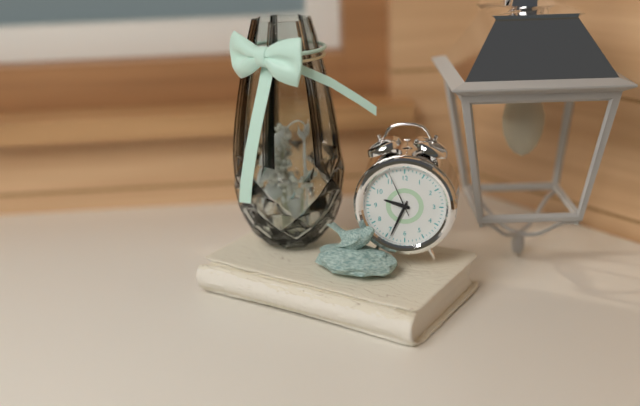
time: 9:34
